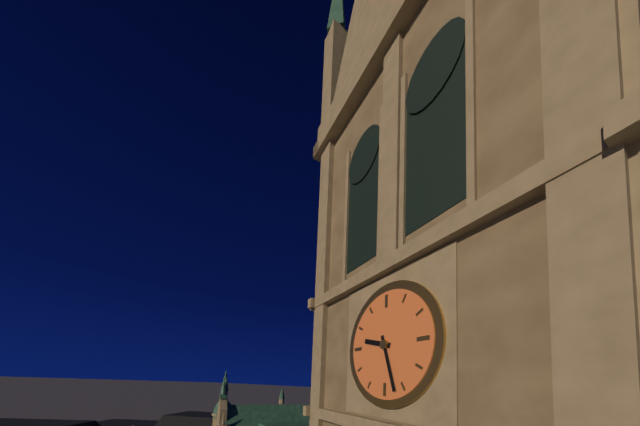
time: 9:27
